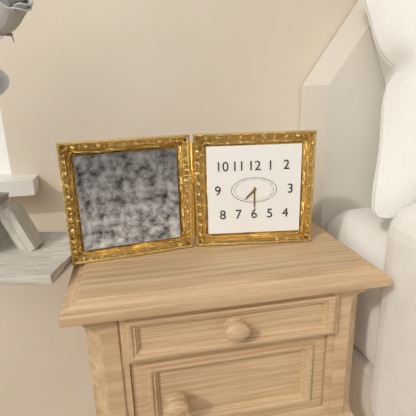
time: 7:30
